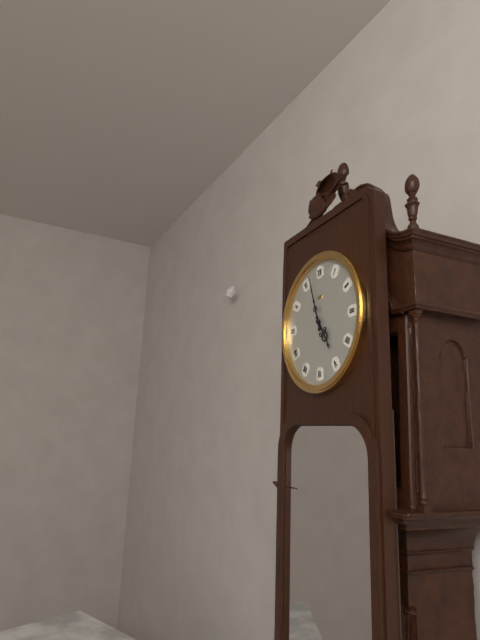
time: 4:57
